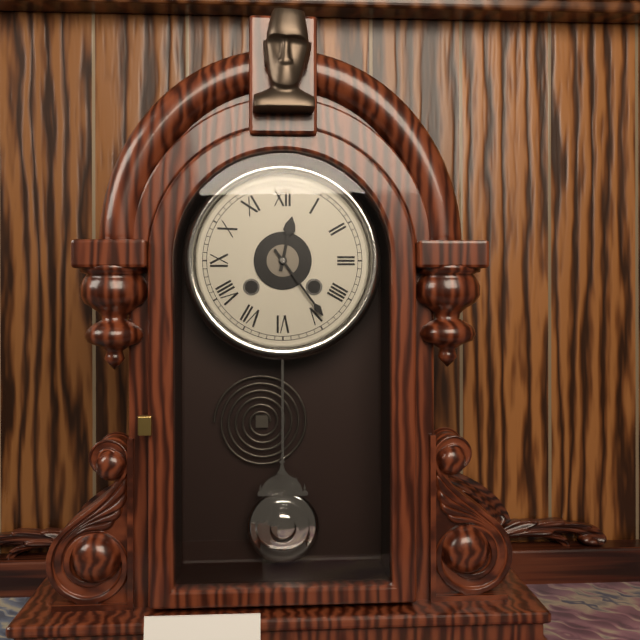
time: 12:24
